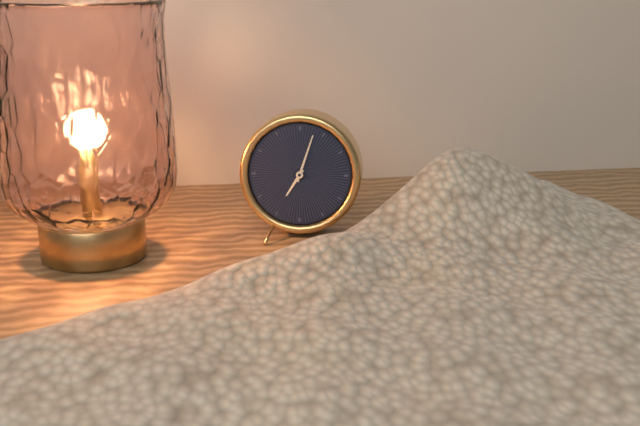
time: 7:03
